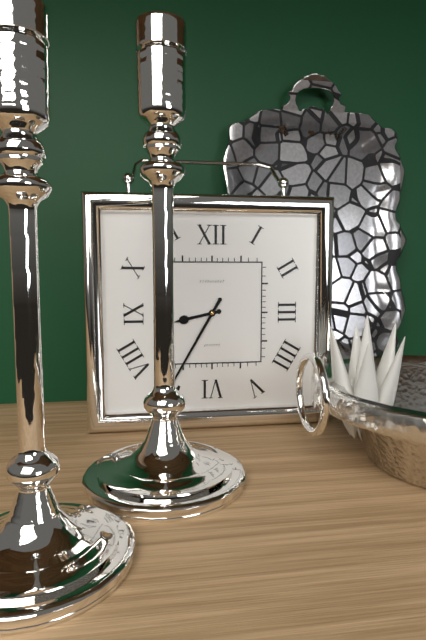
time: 8:35
